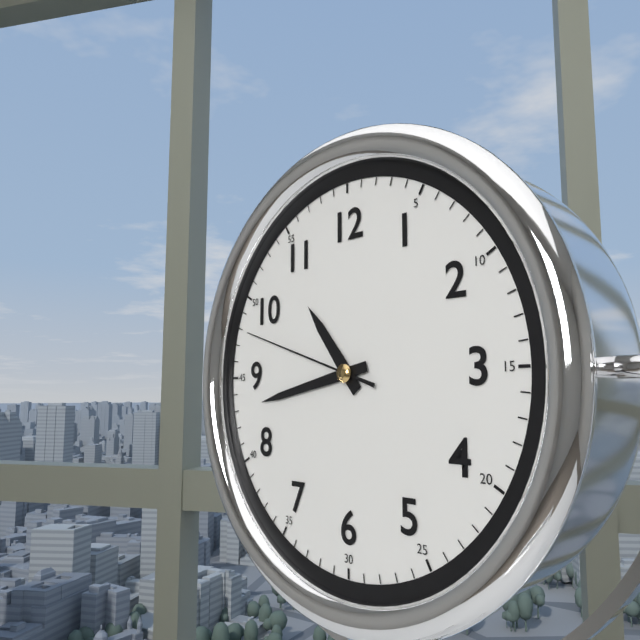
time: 10:43:48
